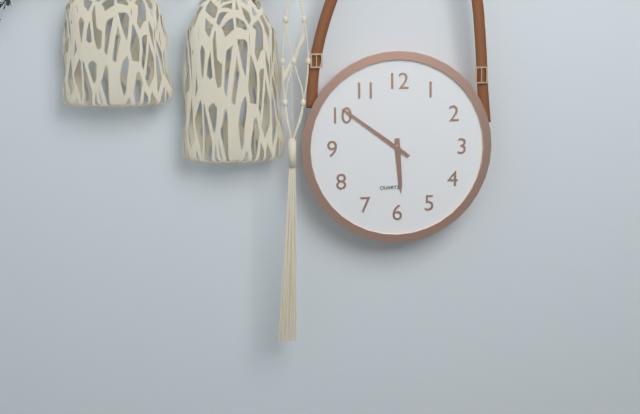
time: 5:51
